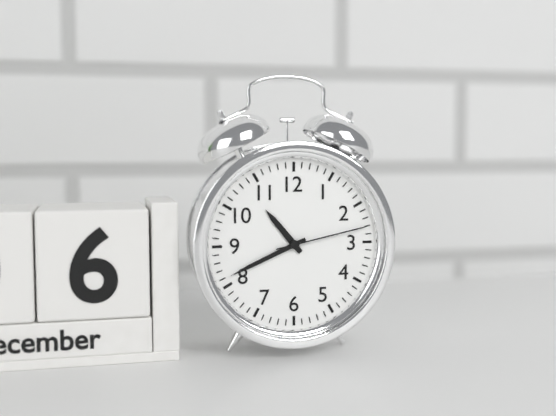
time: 10:41:13
